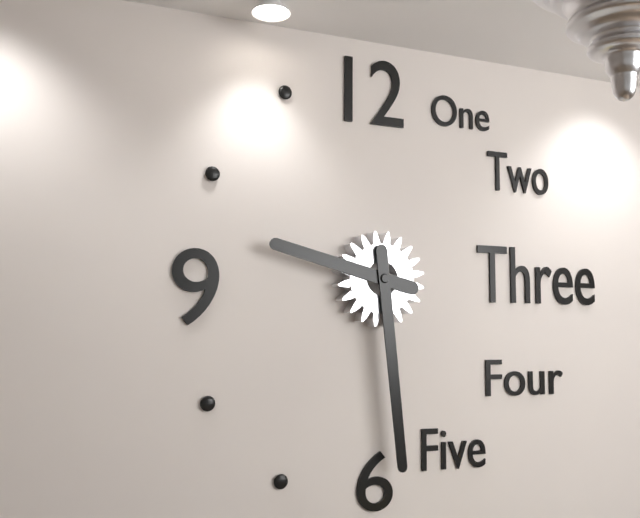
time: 9:29
